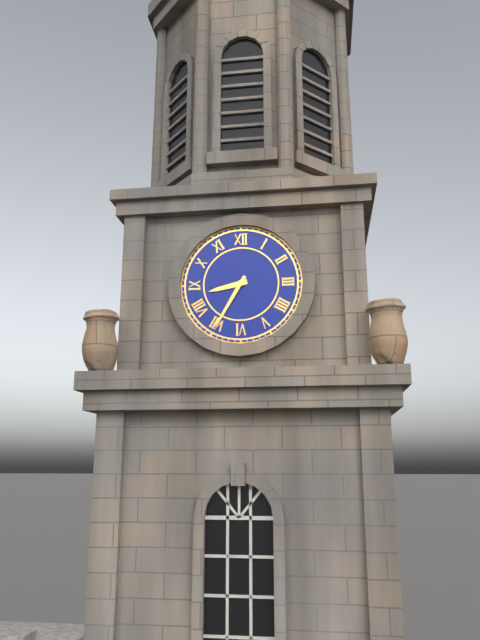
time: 8:35
